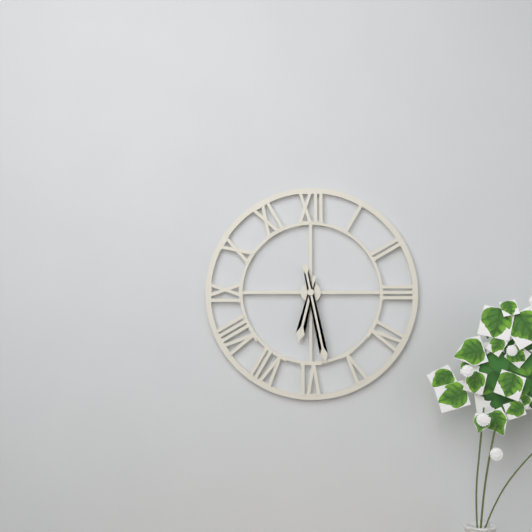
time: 6:28
